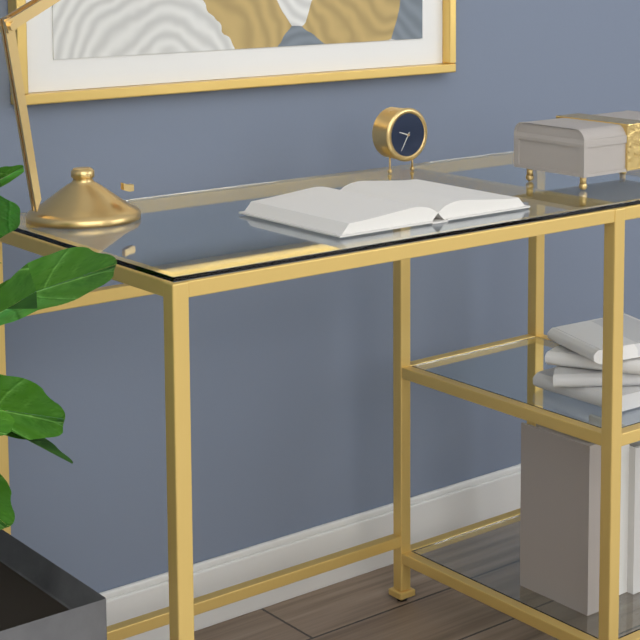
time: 9:35
